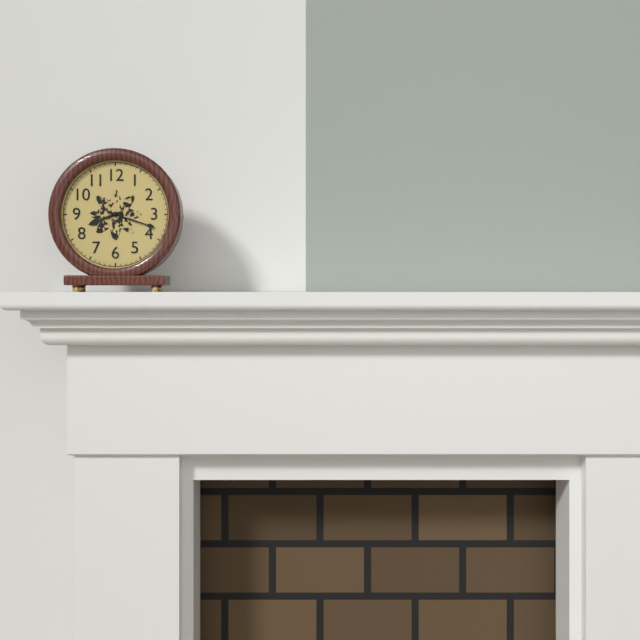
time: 8:18
